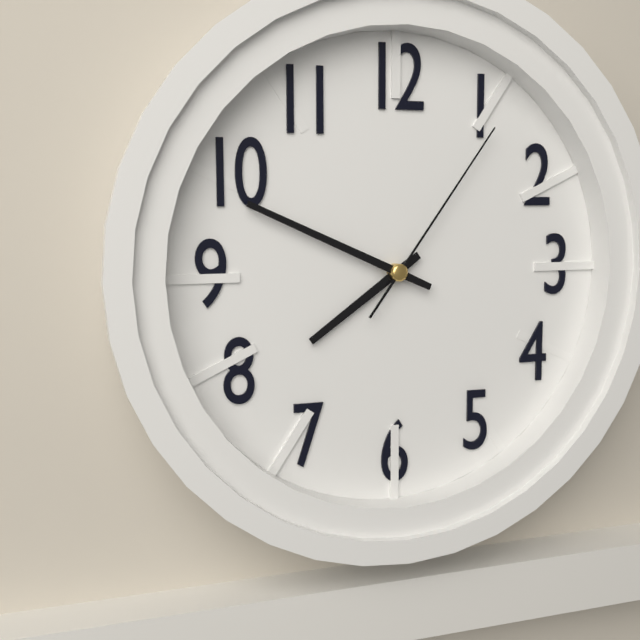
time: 7:49:06
